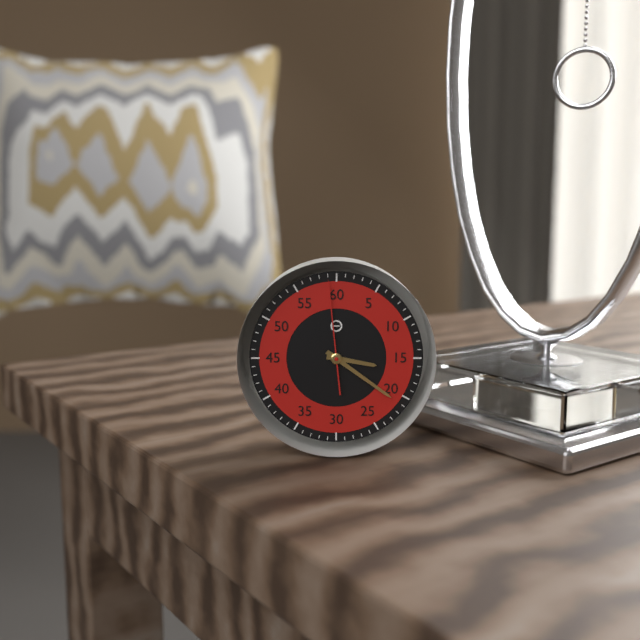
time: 3:21:59
